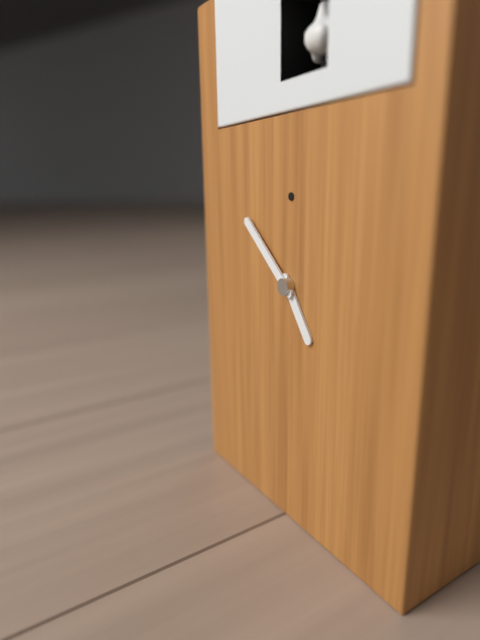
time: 4:52
